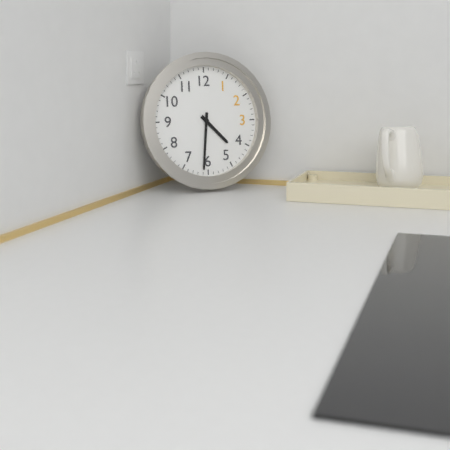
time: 4:31
